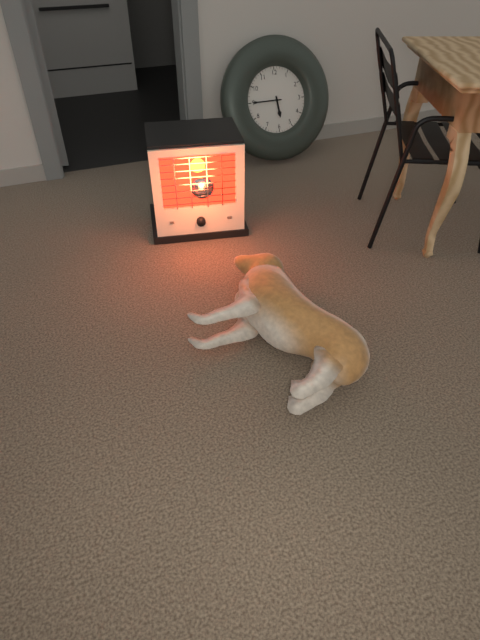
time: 5:45
